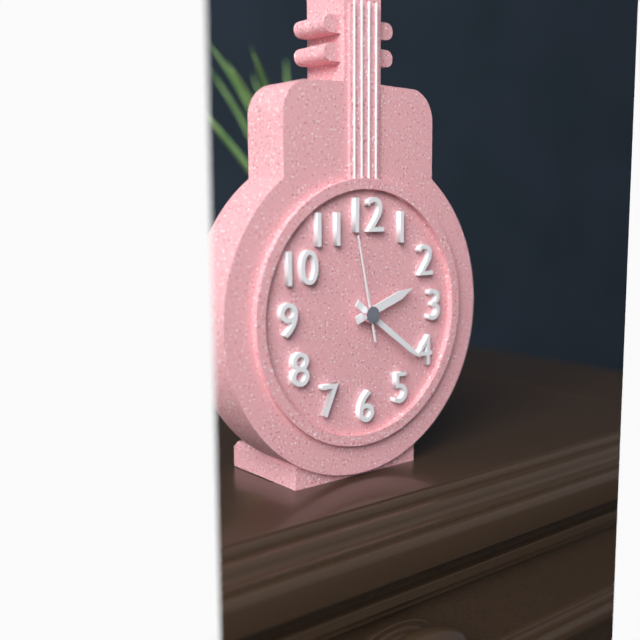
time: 2:21:58
